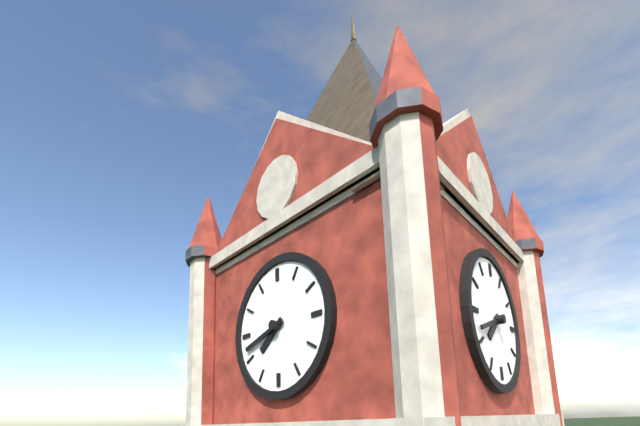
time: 7:42
